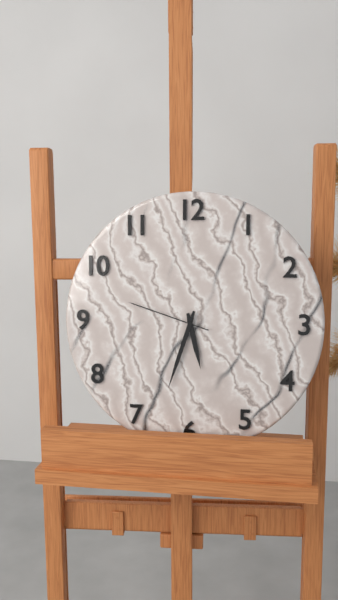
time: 5:33:48
